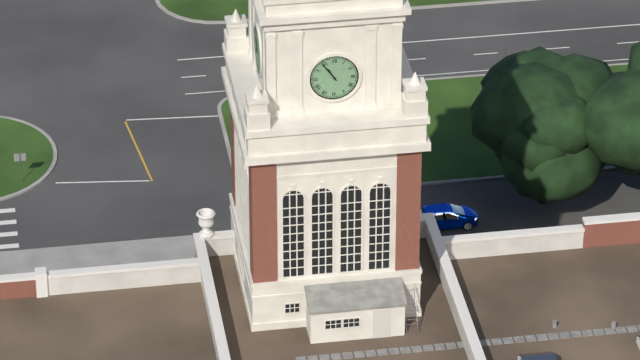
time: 10:54
